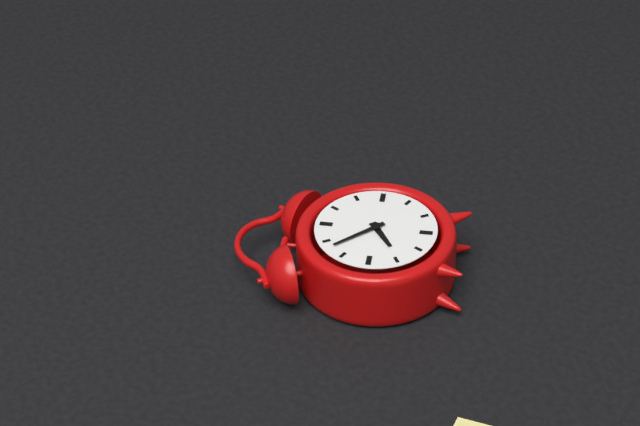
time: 7:53
